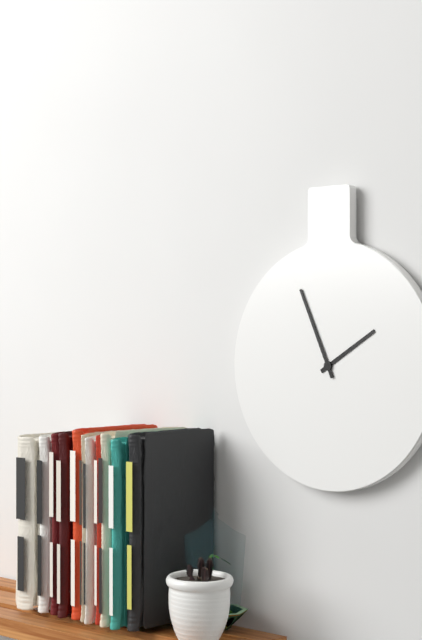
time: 1:56
